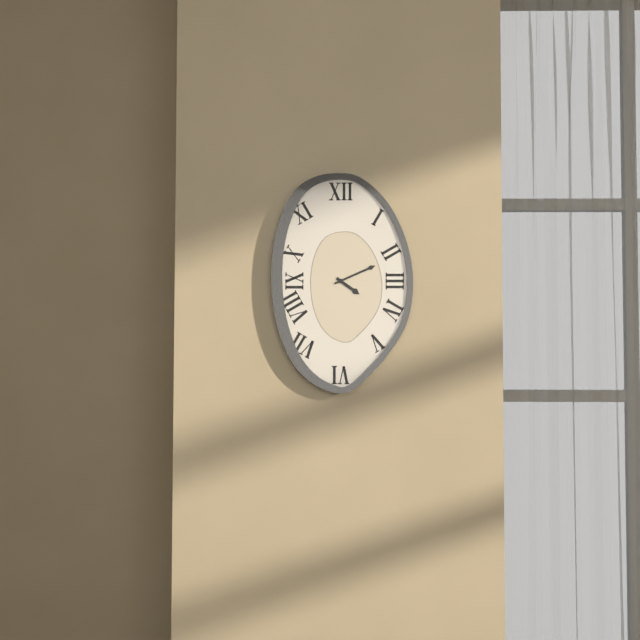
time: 4:11
